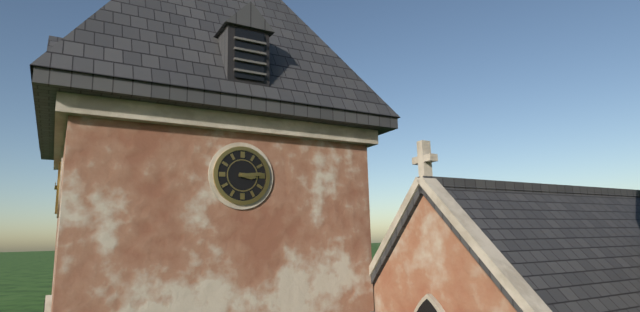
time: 3:14
